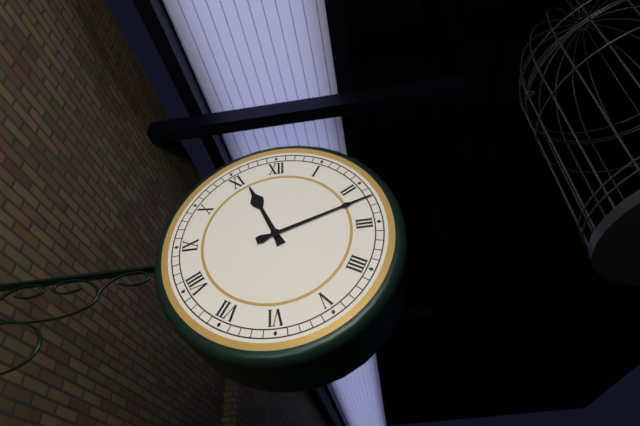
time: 11:12
